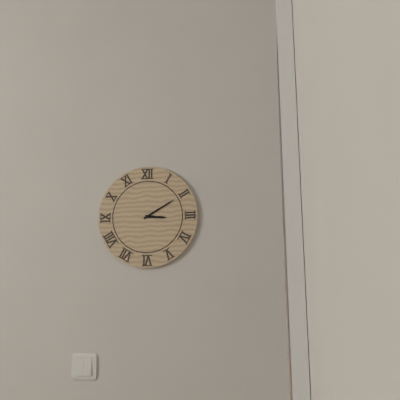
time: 3:10
